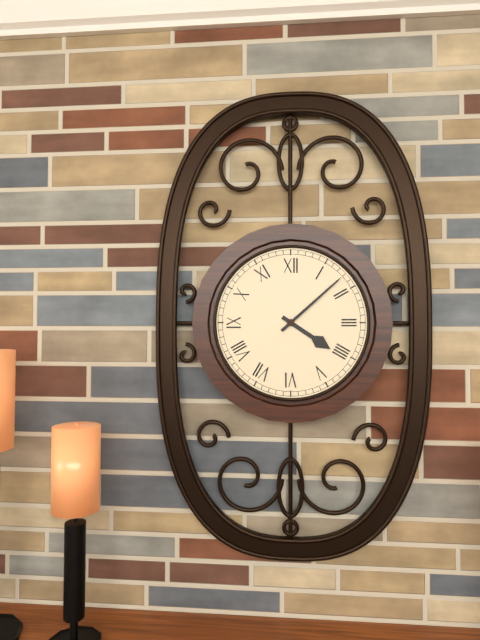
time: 4:08
